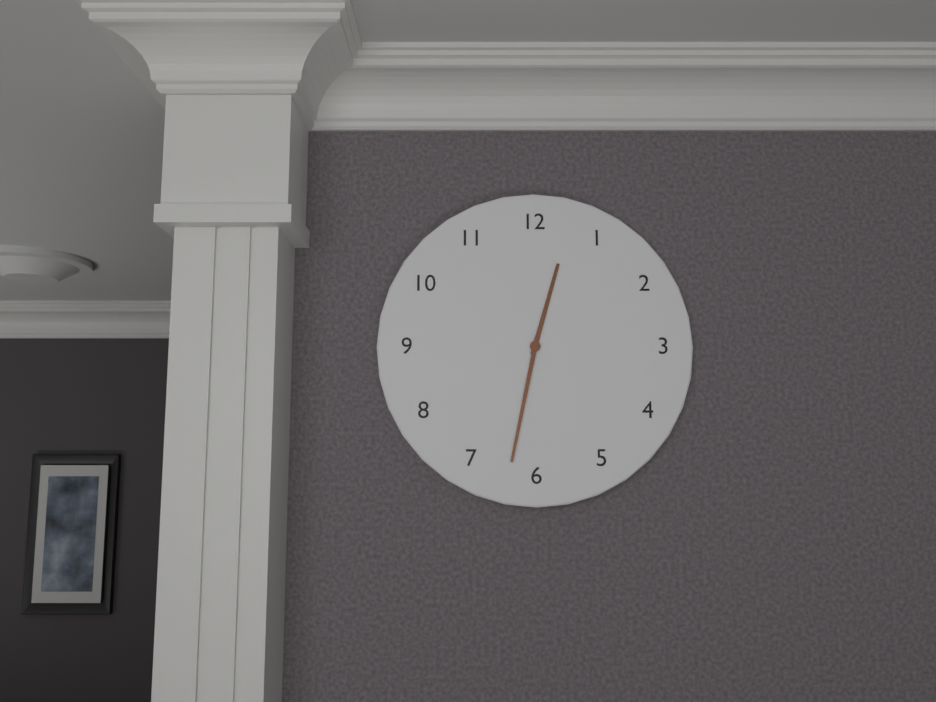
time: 12:32
